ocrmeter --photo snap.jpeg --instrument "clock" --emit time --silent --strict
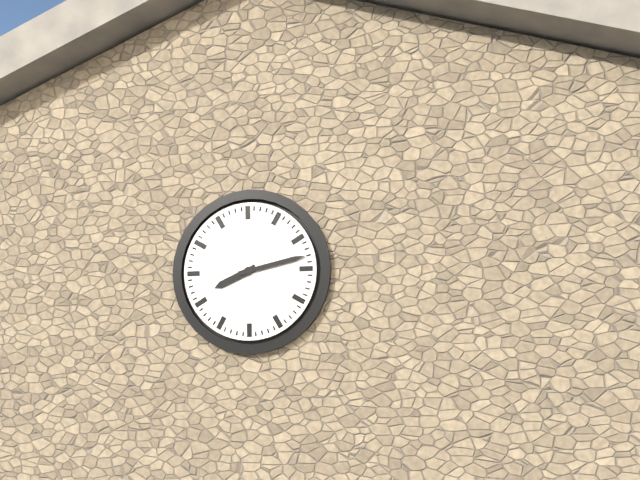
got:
8:13
